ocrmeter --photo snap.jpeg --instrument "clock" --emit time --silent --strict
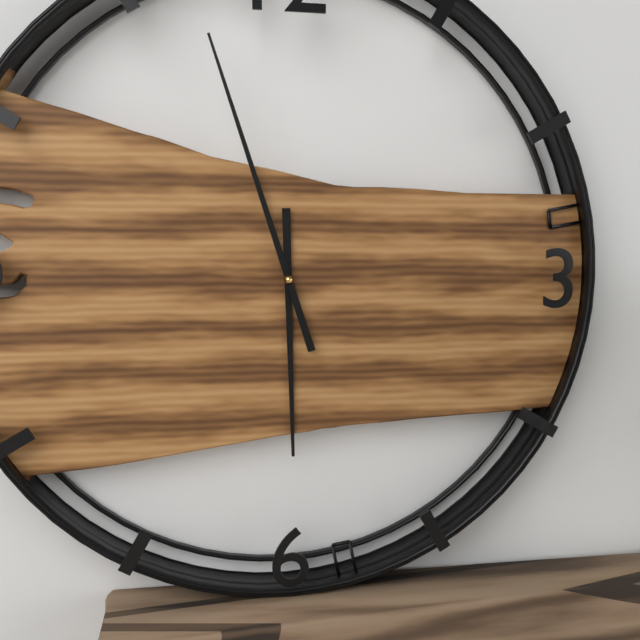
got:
5:57
